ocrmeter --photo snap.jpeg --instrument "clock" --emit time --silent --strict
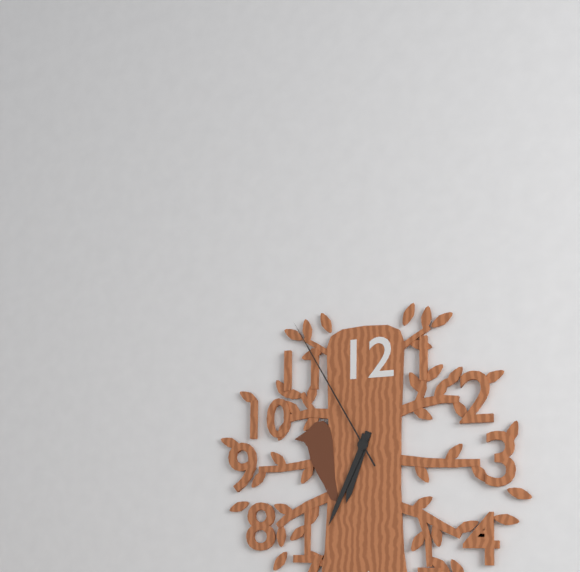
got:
6:34:55
